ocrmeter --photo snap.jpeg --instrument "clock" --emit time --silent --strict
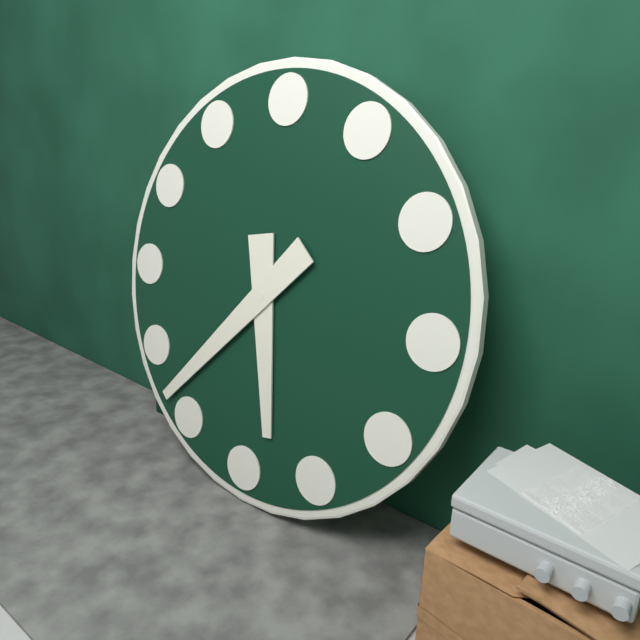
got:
5:37
